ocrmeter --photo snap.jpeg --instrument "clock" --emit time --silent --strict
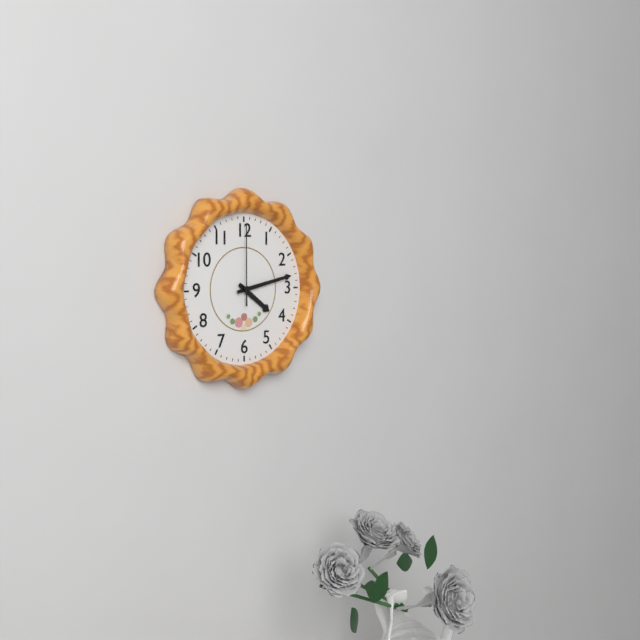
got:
4:13:00
